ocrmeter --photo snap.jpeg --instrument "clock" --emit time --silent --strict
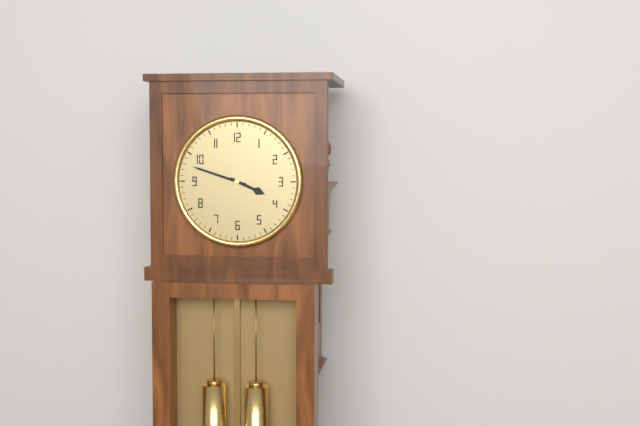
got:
3:48
